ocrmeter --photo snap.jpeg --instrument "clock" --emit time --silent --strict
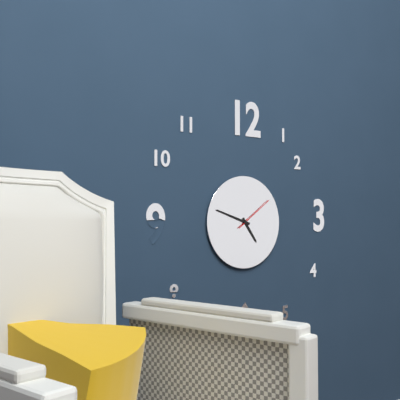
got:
4:48
